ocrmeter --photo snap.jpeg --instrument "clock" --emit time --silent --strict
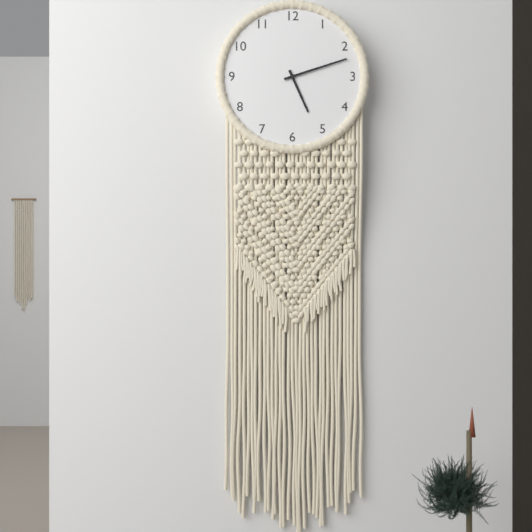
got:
5:12
